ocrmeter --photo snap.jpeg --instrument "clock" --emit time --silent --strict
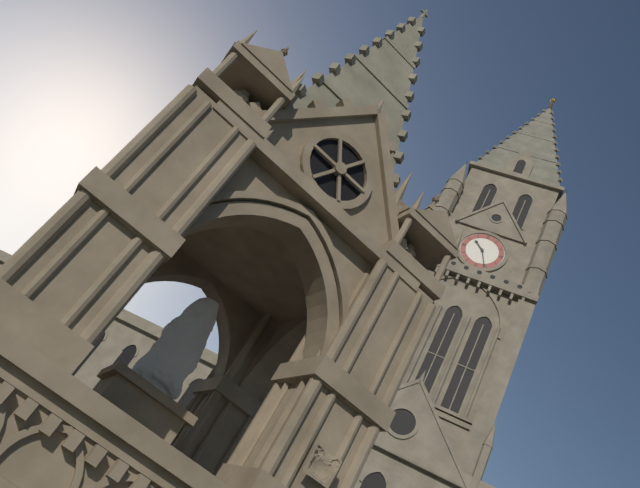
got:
10:26
